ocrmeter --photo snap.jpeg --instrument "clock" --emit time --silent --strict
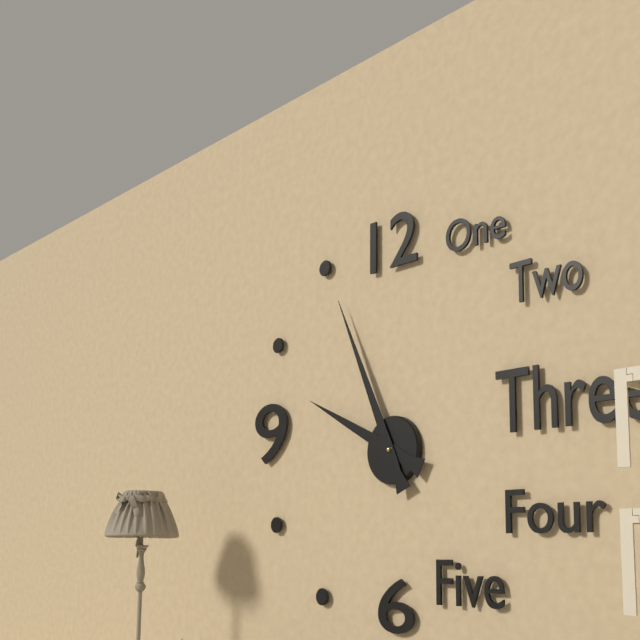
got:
9:56
